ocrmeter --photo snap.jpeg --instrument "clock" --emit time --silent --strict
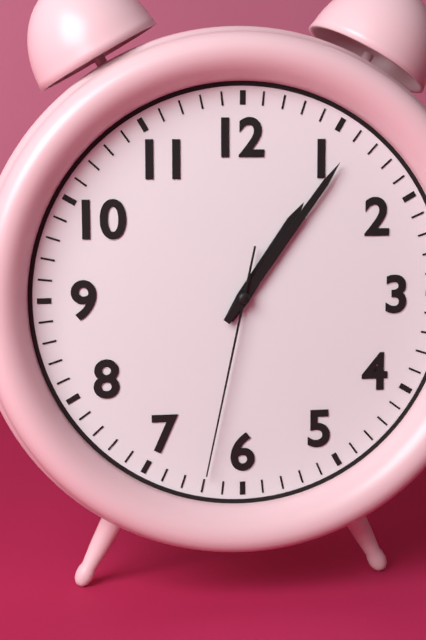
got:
1:06:32
